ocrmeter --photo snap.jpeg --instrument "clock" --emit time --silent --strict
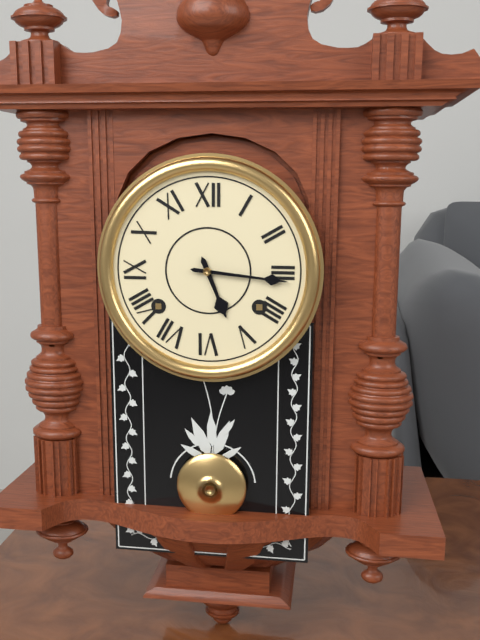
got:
5:16
